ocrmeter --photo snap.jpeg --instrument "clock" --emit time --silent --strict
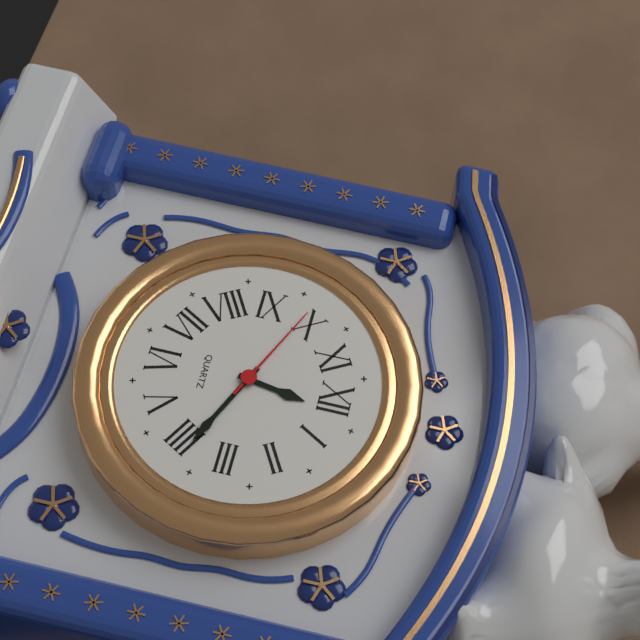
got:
12:19:49
